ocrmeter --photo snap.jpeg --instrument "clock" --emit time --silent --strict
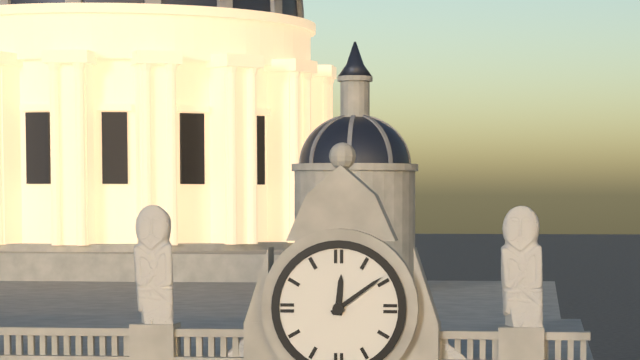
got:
12:09
